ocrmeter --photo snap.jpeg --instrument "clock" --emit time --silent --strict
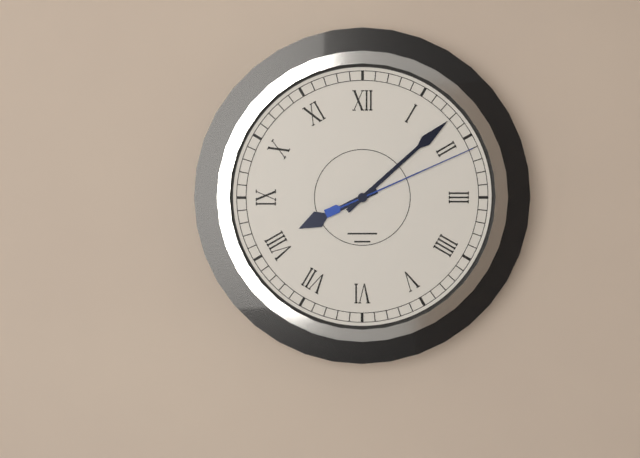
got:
8:08:11
